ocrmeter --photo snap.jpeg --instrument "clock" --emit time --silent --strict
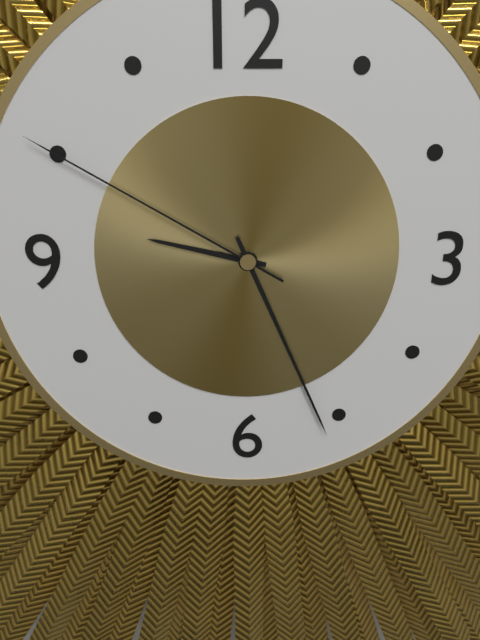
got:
9:26:50
